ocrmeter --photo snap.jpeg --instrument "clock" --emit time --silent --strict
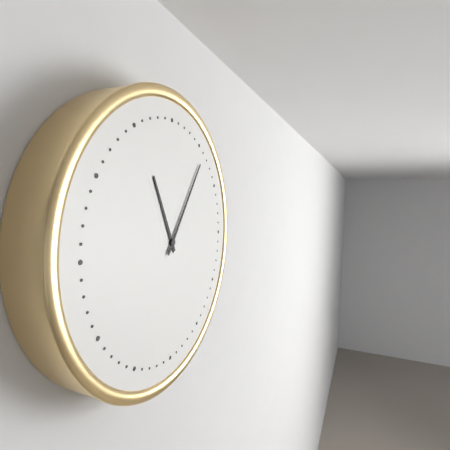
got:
11:06
